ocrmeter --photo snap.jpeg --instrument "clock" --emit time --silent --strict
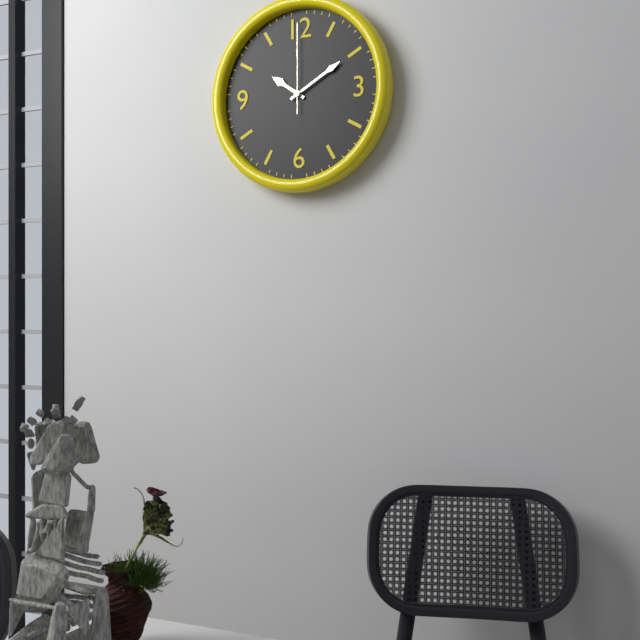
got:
10:10:00
